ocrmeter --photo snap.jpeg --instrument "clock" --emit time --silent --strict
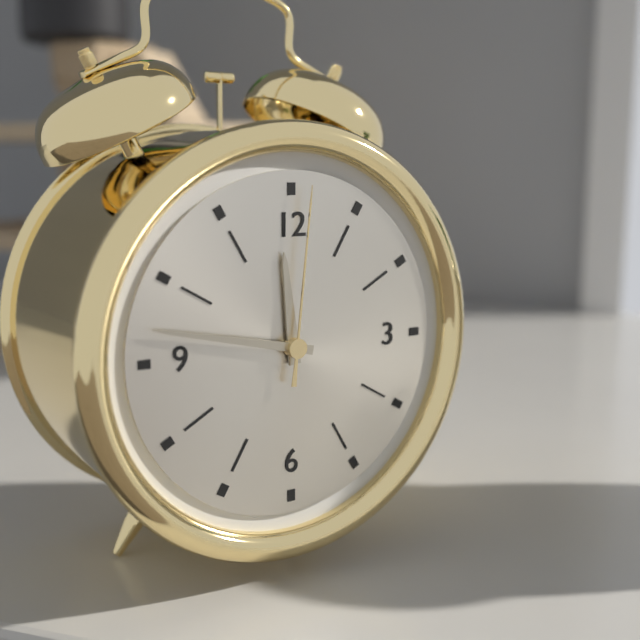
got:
11:47:01
